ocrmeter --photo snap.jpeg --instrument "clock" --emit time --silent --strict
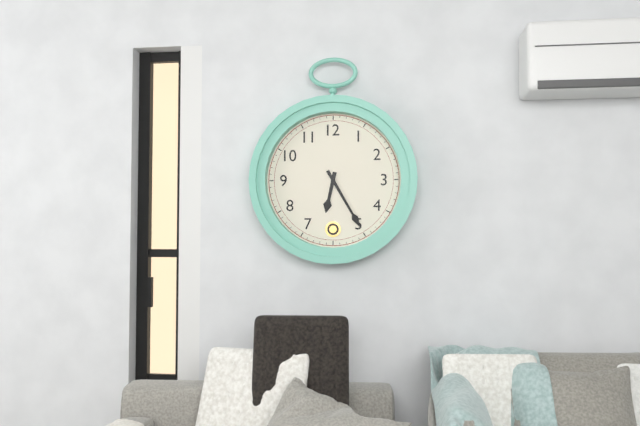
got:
6:25
